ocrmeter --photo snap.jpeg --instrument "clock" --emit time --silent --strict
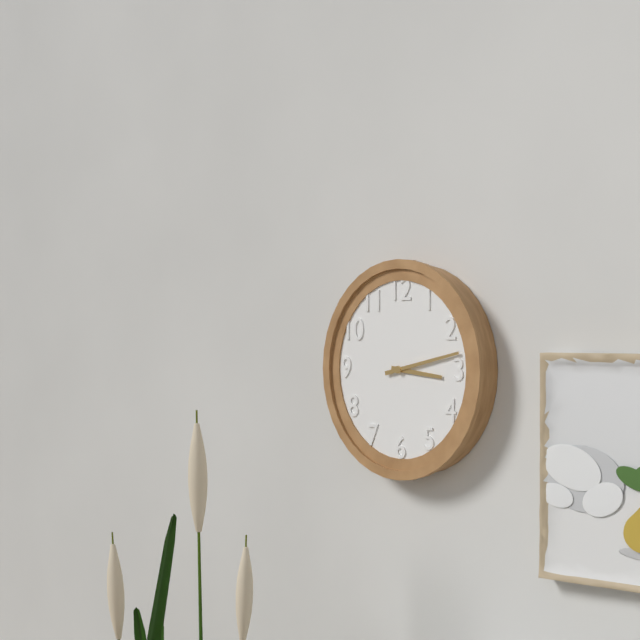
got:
3:13
